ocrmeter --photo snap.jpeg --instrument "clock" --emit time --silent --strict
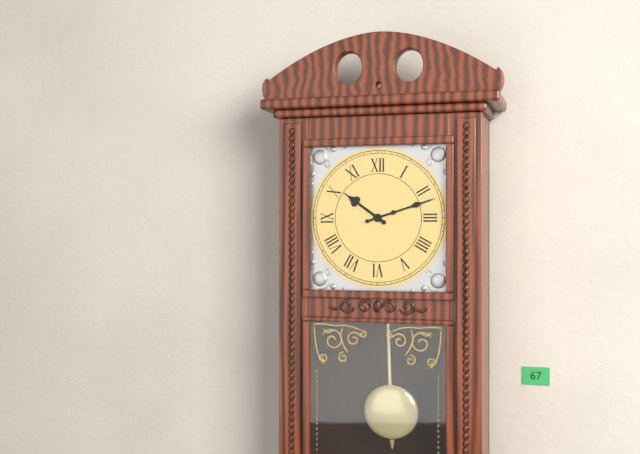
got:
10:12
